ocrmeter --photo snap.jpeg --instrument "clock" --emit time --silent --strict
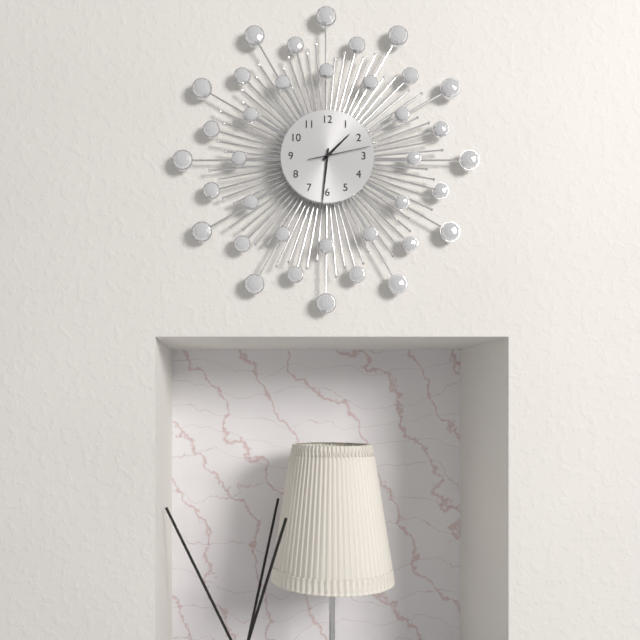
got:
1:31:13
